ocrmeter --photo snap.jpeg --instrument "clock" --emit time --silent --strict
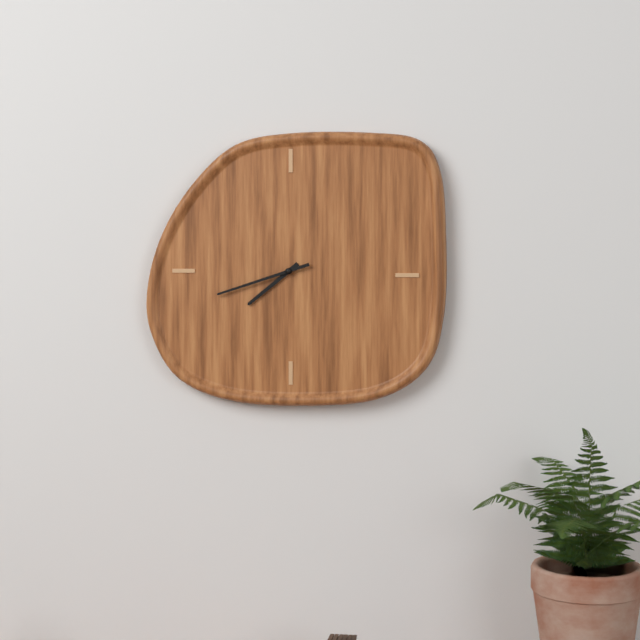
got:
7:42
